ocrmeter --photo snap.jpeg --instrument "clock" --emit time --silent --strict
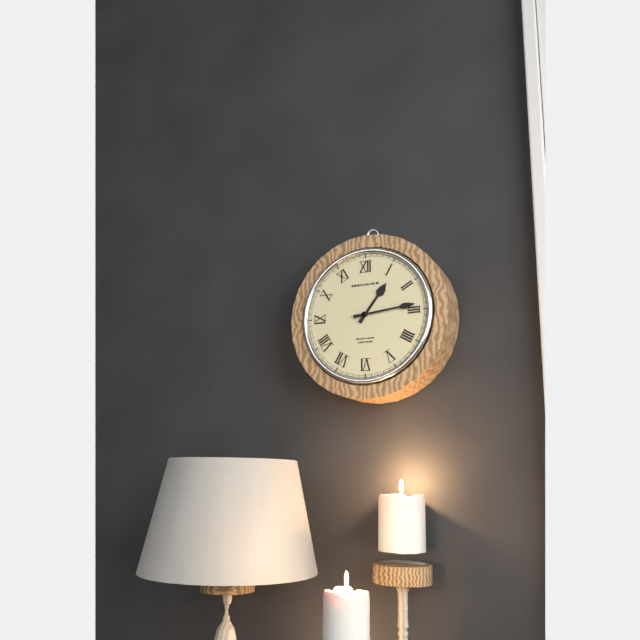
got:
1:14
